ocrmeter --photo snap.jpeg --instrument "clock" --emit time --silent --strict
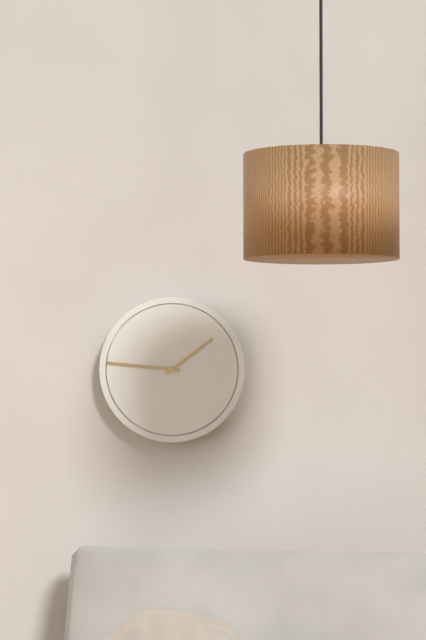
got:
1:46
